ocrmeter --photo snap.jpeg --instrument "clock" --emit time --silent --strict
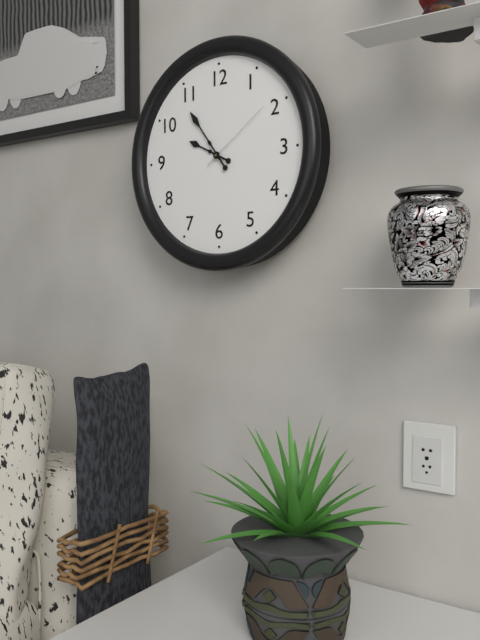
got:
9:54:09
